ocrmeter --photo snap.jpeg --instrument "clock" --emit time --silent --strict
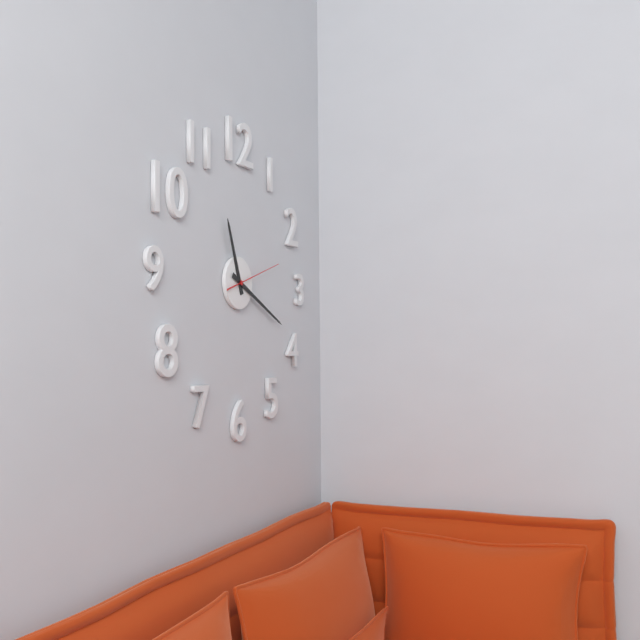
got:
11:19:12
